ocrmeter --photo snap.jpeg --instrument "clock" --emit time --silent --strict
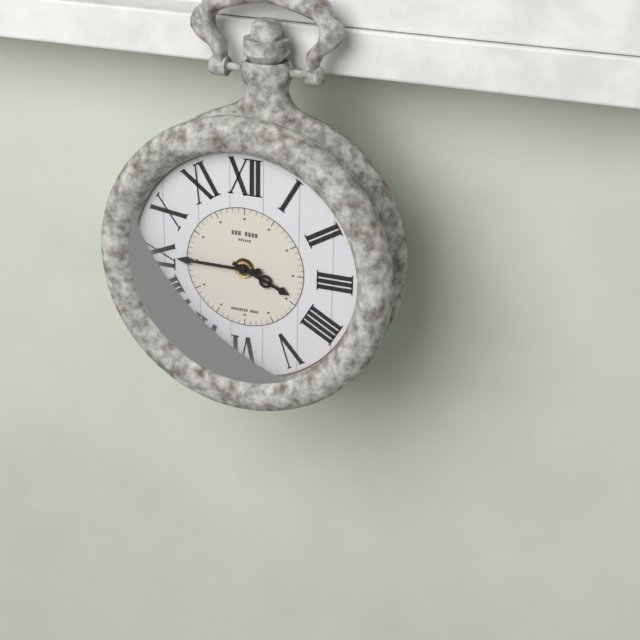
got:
3:45
